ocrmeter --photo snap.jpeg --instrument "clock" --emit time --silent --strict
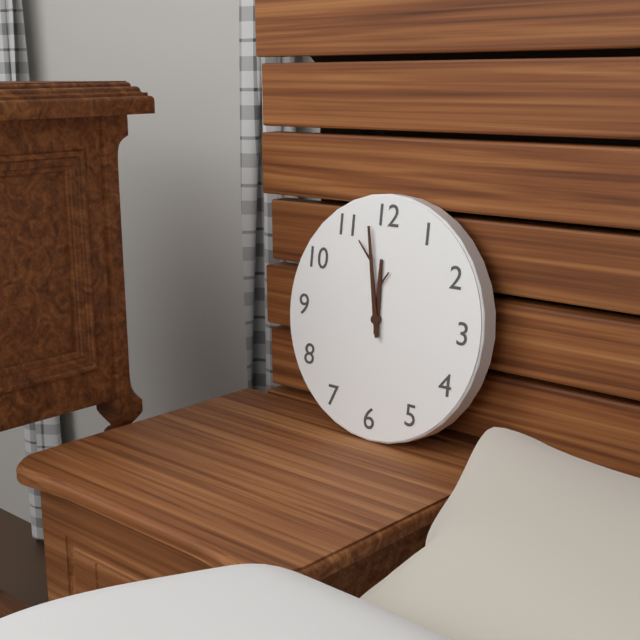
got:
11:58
